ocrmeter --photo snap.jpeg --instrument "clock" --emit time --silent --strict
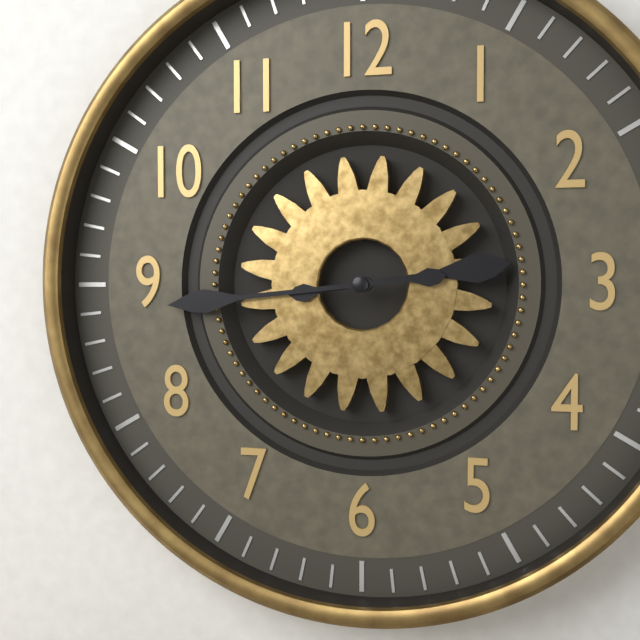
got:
2:44
